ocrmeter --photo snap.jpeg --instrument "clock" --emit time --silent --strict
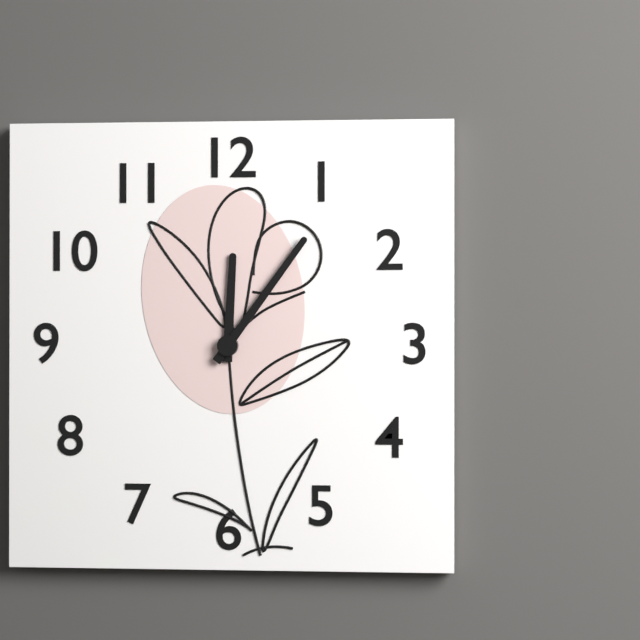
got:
12:06
